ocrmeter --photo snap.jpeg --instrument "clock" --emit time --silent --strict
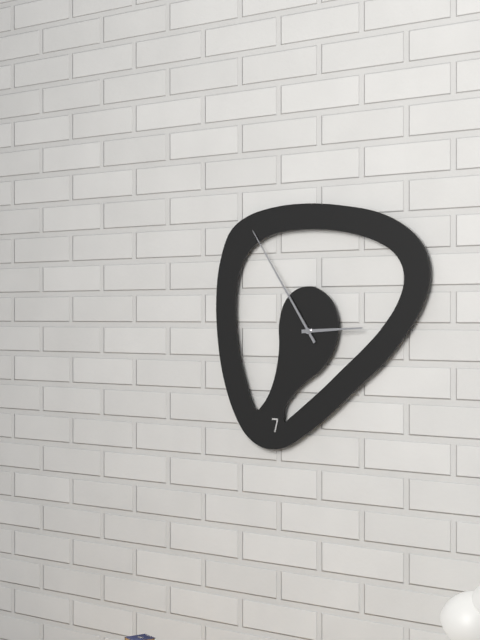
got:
2:54
